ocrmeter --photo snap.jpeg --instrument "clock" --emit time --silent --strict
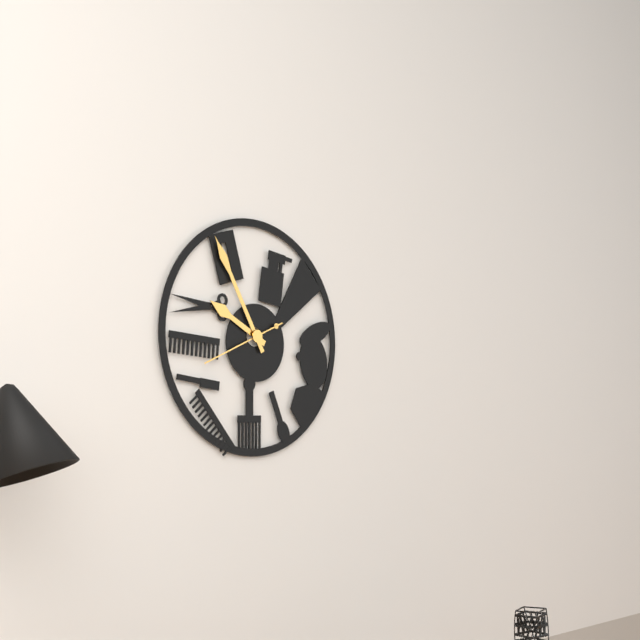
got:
9:55:41
